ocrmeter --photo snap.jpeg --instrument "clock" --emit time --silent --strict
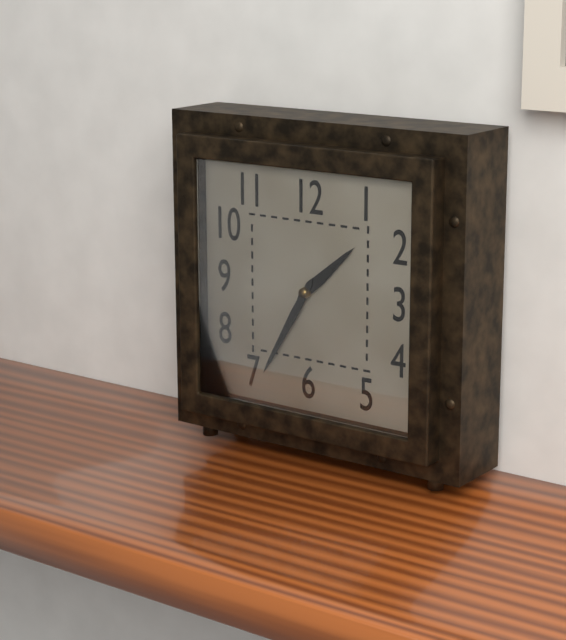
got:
1:35
